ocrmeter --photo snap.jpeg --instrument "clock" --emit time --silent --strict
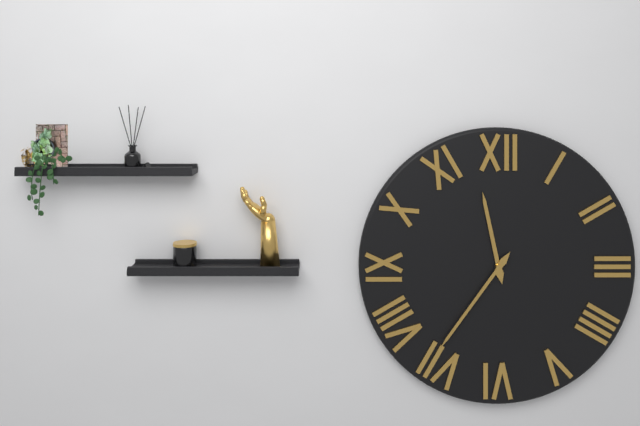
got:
11:36
